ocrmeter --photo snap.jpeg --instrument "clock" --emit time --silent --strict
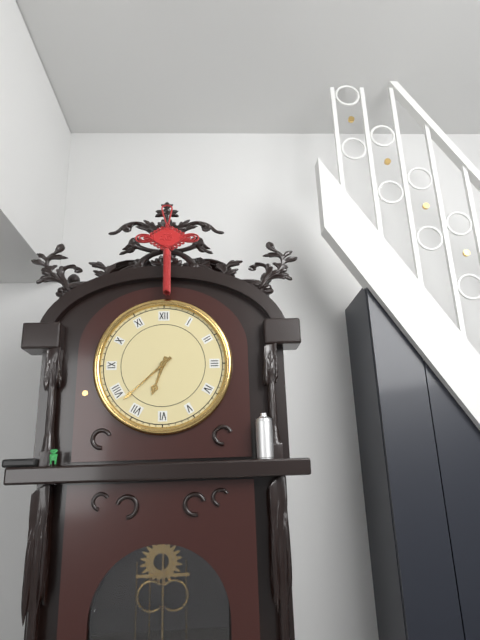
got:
6:38
